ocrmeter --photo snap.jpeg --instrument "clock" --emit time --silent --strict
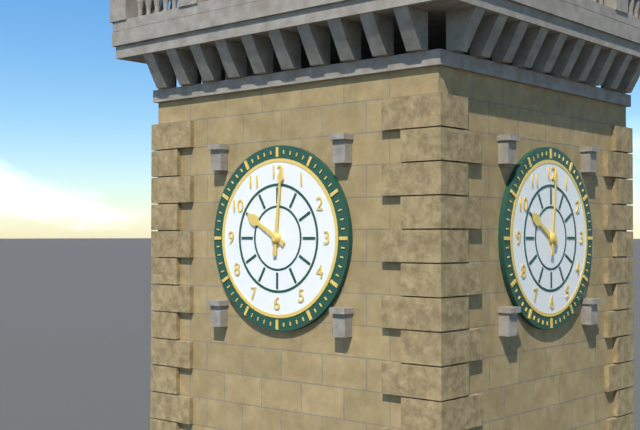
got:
10:01
